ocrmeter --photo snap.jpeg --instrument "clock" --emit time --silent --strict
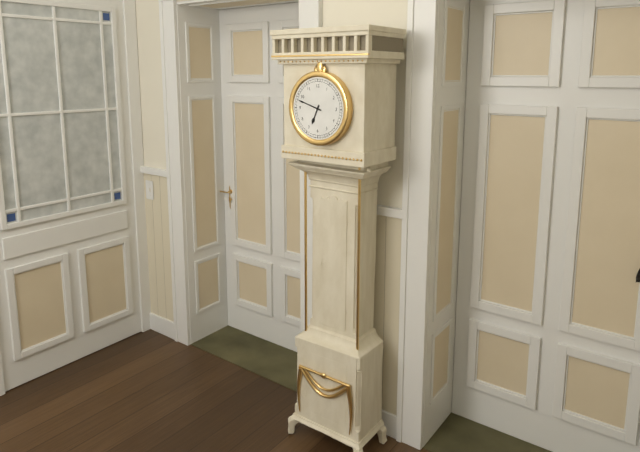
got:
6:48
